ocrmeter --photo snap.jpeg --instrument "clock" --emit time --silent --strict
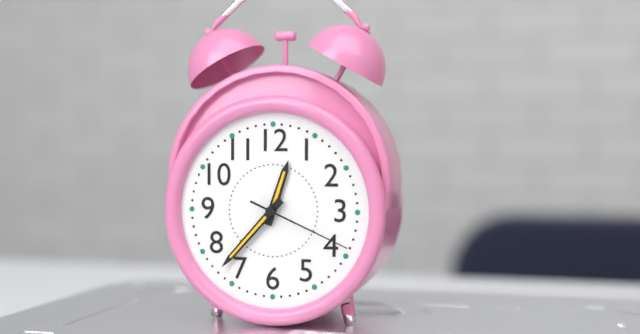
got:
12:37:19
